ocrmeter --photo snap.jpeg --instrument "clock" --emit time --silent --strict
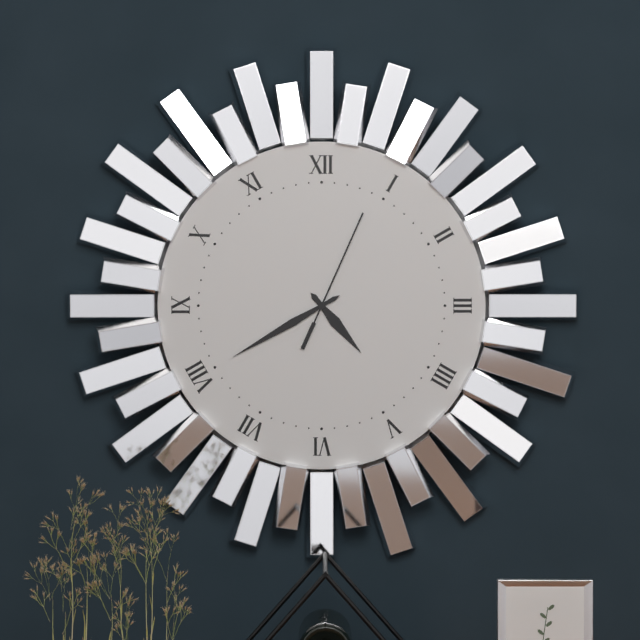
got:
4:40:04
